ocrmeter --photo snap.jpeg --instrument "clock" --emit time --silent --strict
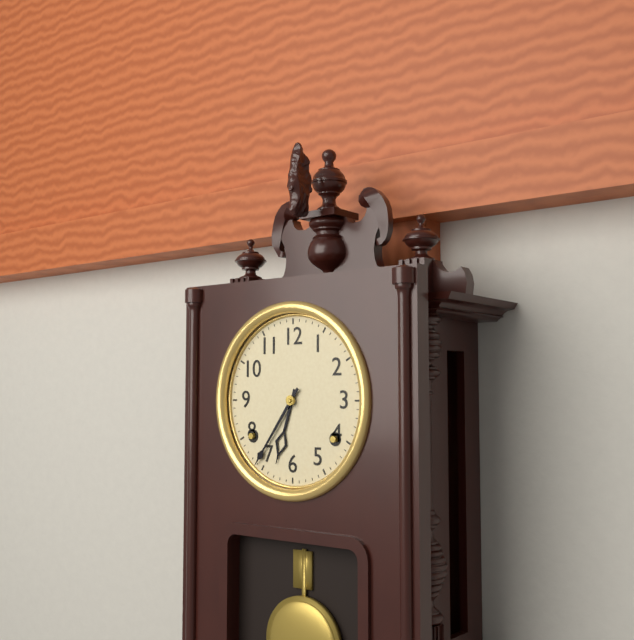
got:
6:36
